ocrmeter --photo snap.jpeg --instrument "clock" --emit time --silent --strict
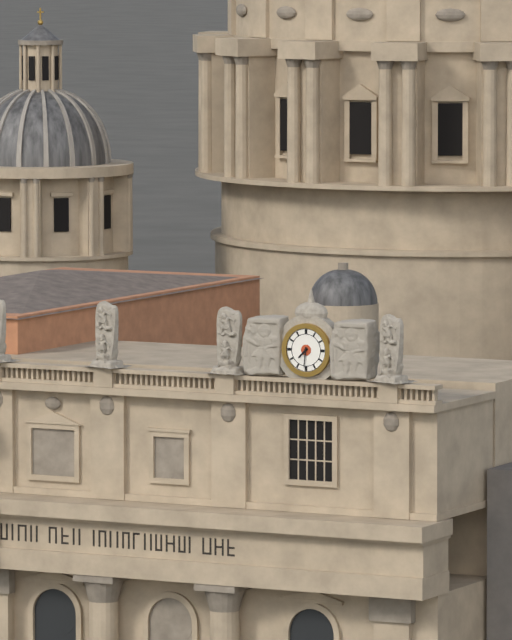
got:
7:31
